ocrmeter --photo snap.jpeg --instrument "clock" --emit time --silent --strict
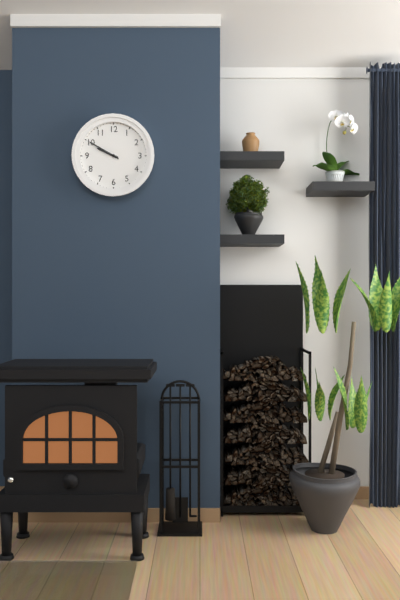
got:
9:50
